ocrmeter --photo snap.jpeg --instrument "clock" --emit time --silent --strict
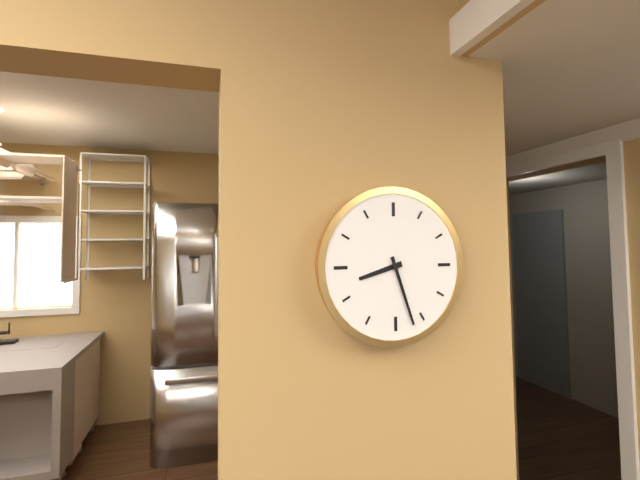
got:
8:27
